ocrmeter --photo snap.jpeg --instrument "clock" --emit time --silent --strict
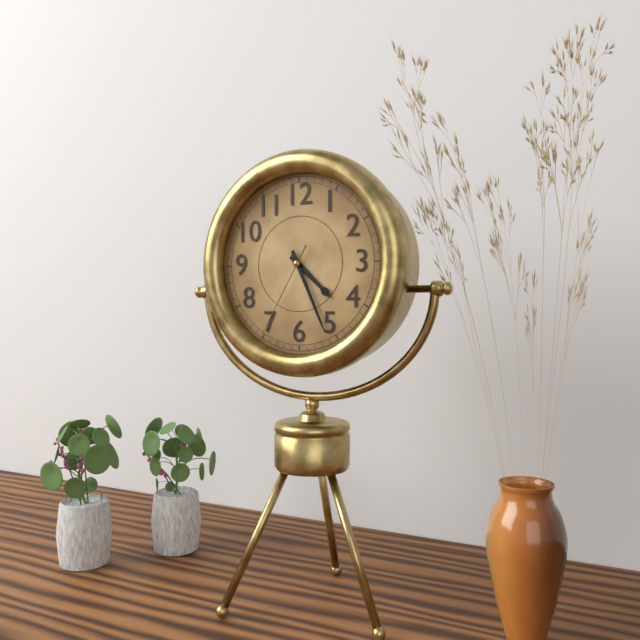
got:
4:26:35
